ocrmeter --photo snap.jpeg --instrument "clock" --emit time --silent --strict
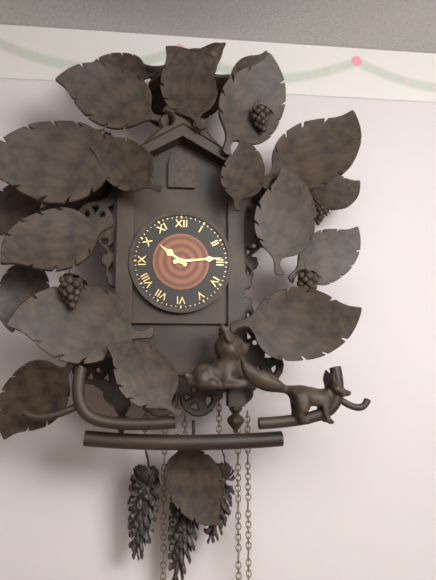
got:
10:14
